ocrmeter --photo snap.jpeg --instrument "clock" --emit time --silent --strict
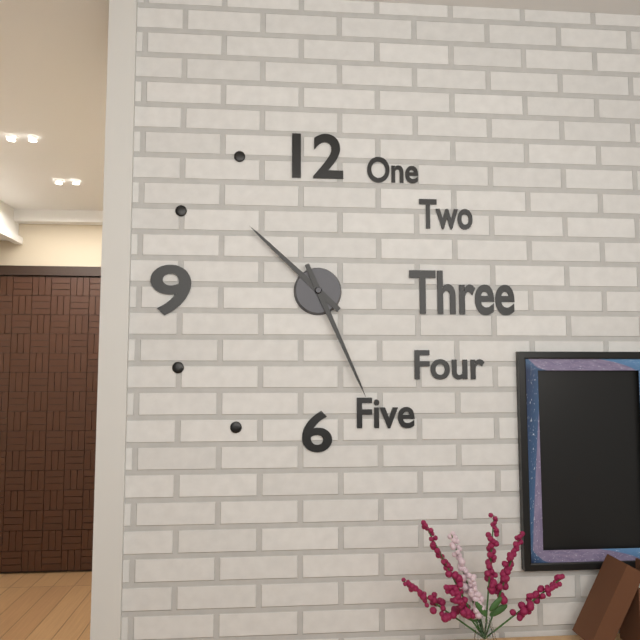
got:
10:26
